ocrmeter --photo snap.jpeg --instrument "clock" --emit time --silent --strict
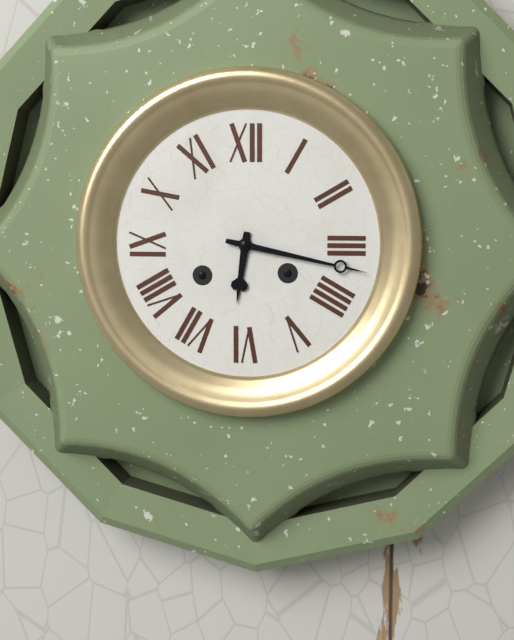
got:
6:17
